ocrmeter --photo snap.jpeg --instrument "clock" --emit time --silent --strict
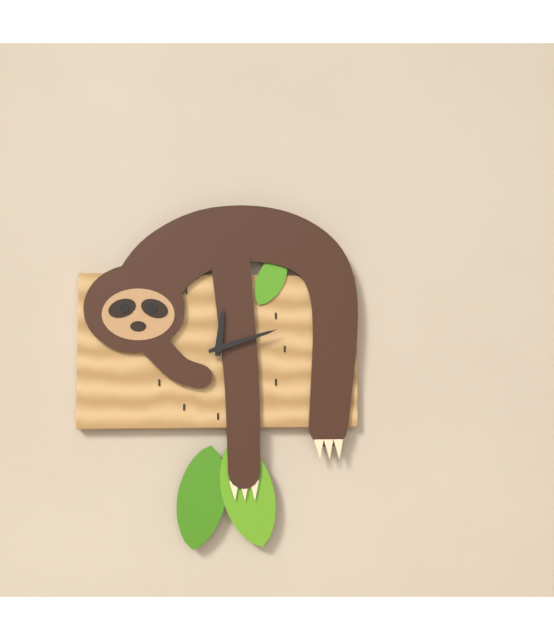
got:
12:12
